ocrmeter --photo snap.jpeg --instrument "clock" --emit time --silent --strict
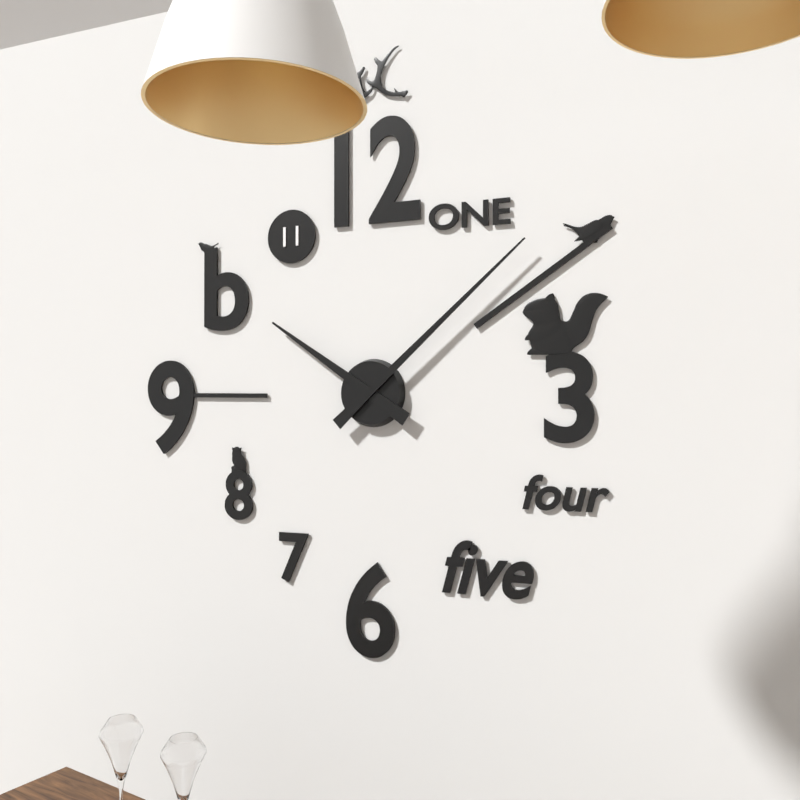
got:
10:08
